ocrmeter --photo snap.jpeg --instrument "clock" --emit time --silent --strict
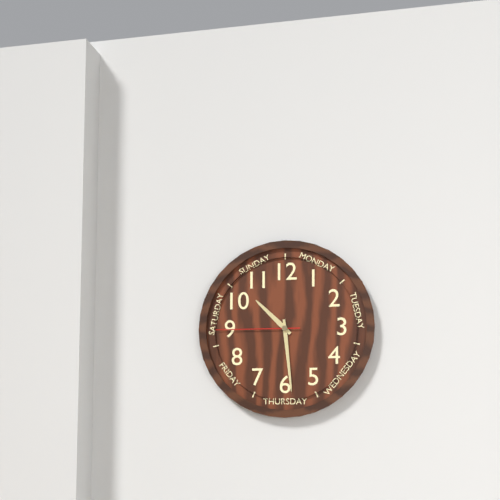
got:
10:29:45
